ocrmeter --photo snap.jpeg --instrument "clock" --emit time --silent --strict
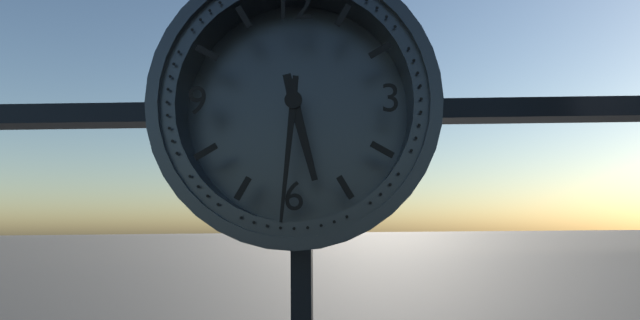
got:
5:31
